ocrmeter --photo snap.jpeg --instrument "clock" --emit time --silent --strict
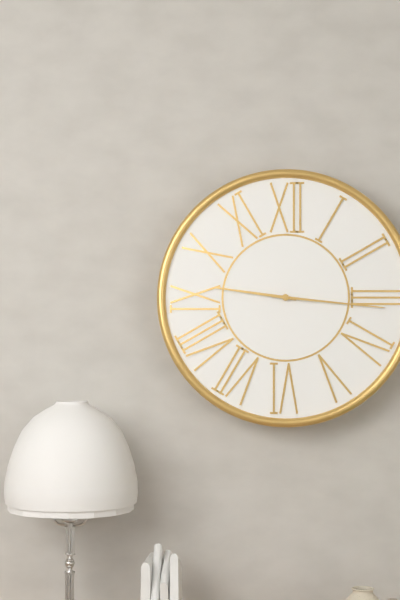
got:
9:16
